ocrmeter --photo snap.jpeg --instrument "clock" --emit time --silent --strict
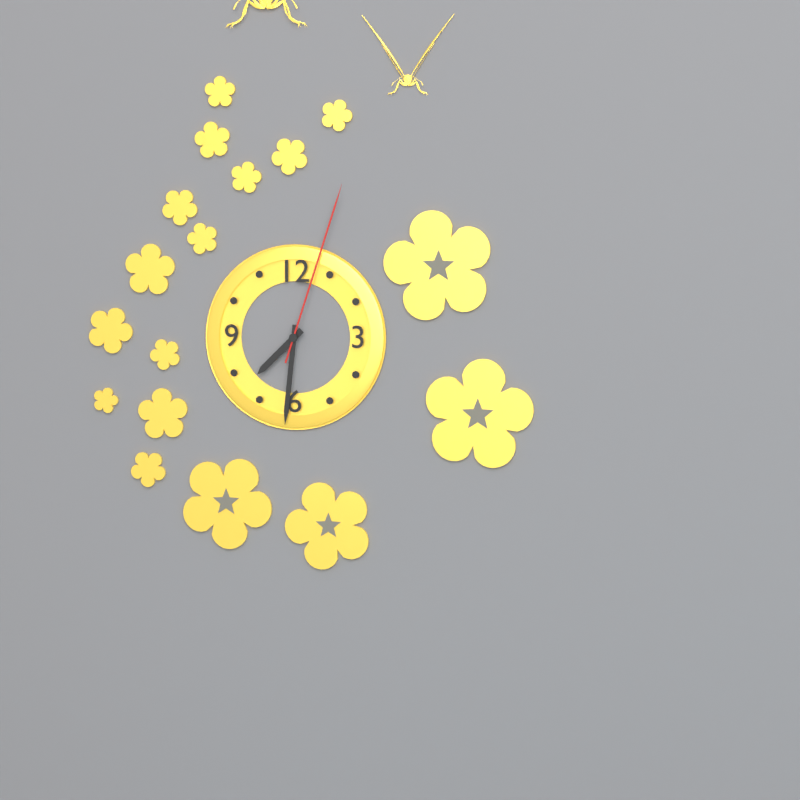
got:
7:31:03
